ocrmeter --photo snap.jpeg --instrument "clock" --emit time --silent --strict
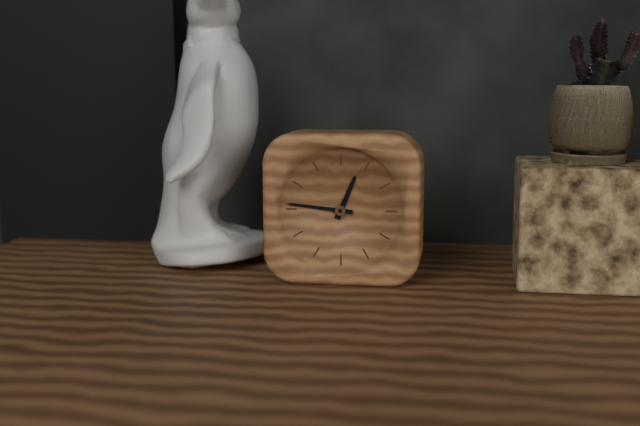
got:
12:46
